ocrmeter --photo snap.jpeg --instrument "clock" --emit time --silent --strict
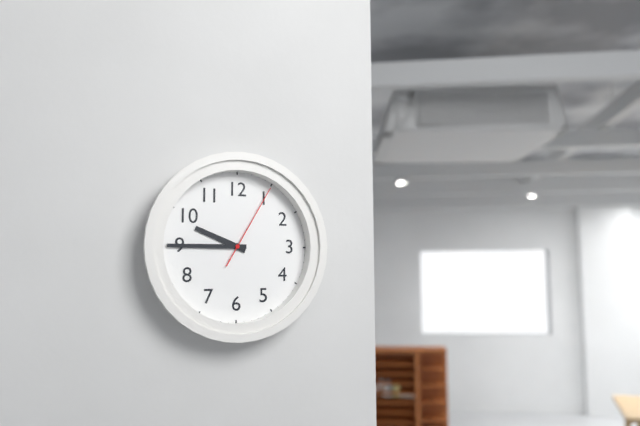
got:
9:45:05
